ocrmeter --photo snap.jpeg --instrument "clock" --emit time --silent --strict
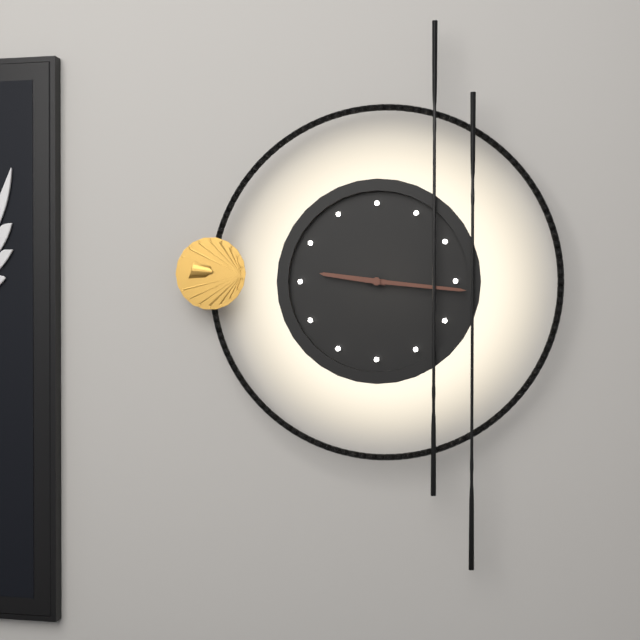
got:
9:16
